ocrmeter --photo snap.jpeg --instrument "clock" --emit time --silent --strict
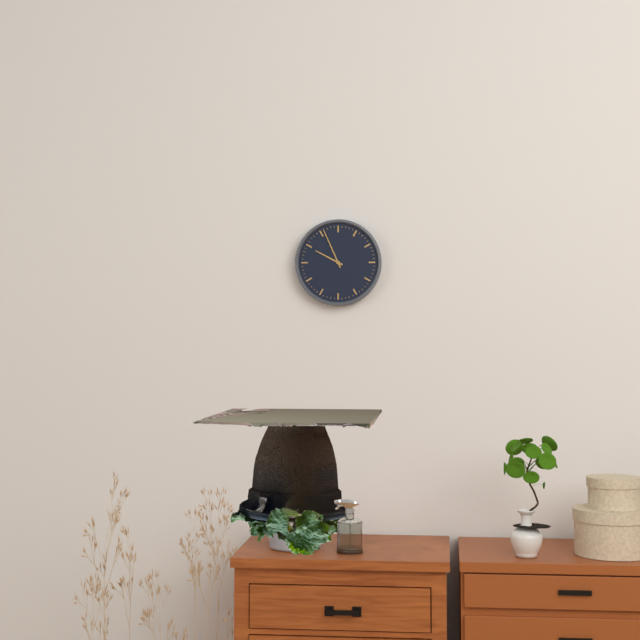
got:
9:56
